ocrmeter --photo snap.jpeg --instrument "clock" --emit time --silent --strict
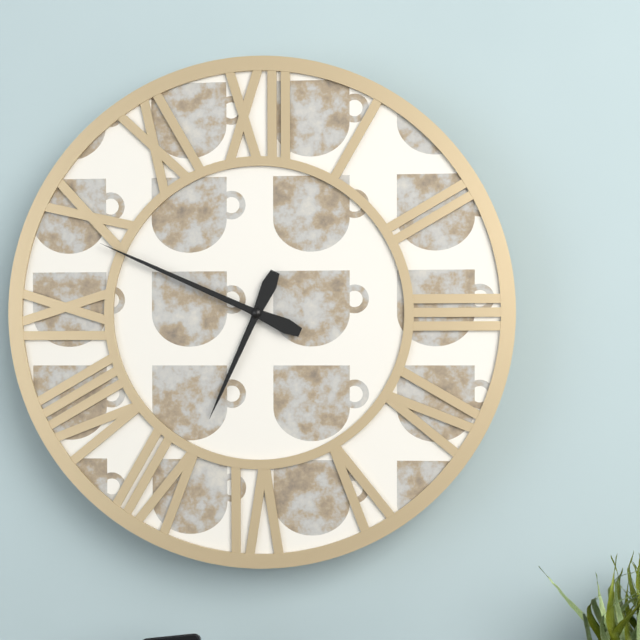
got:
6:49
